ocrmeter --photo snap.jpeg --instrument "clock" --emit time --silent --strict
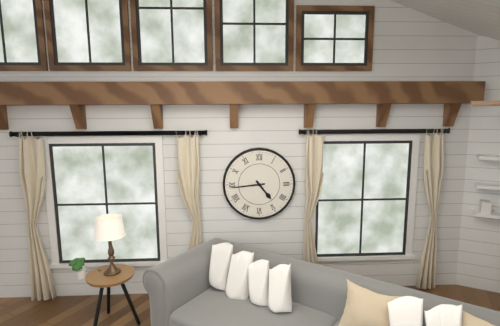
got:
4:44
